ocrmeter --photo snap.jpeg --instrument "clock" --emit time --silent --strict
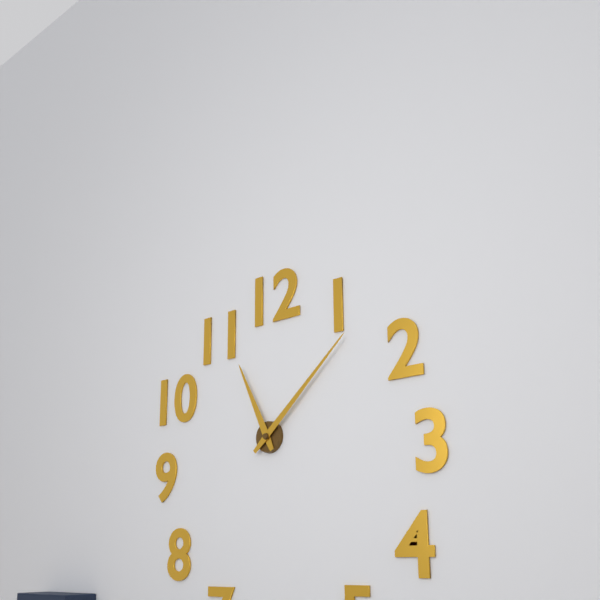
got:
11:08
